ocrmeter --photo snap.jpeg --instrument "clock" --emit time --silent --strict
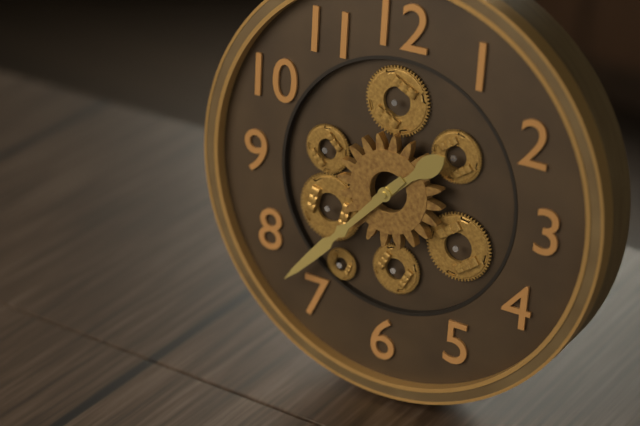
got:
1:37
